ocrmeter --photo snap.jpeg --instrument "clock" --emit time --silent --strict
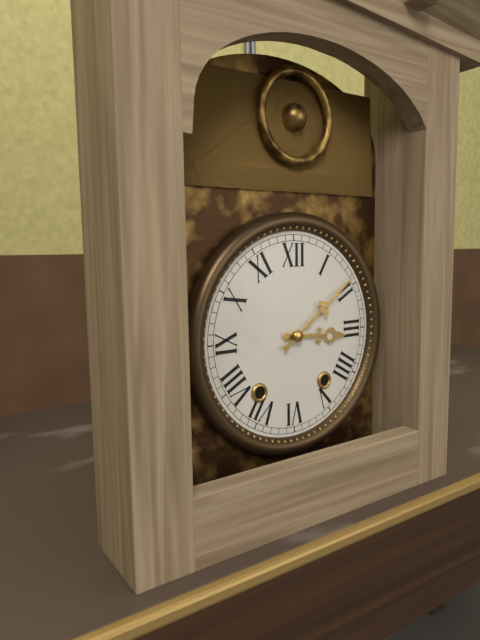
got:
3:09
